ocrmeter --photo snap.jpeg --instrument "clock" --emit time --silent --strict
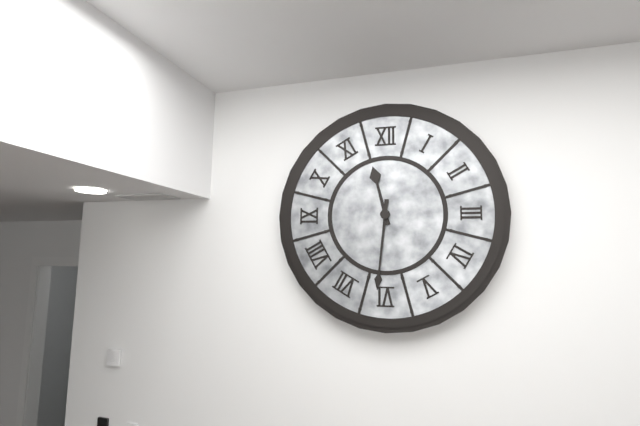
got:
11:31
